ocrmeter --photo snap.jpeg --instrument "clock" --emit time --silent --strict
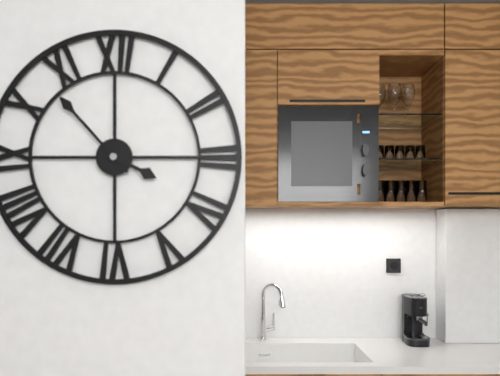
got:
3:53
